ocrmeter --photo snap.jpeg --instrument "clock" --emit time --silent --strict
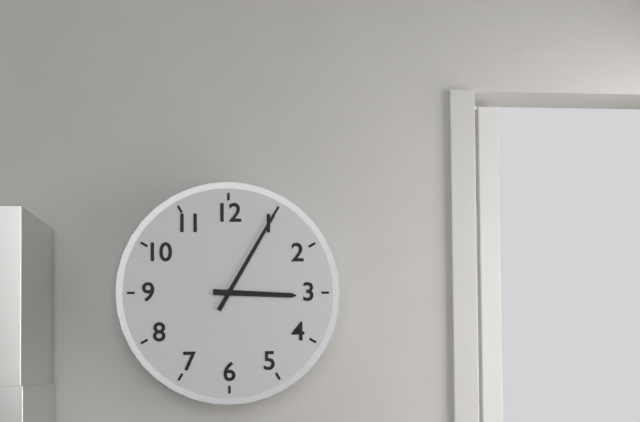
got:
3:05
